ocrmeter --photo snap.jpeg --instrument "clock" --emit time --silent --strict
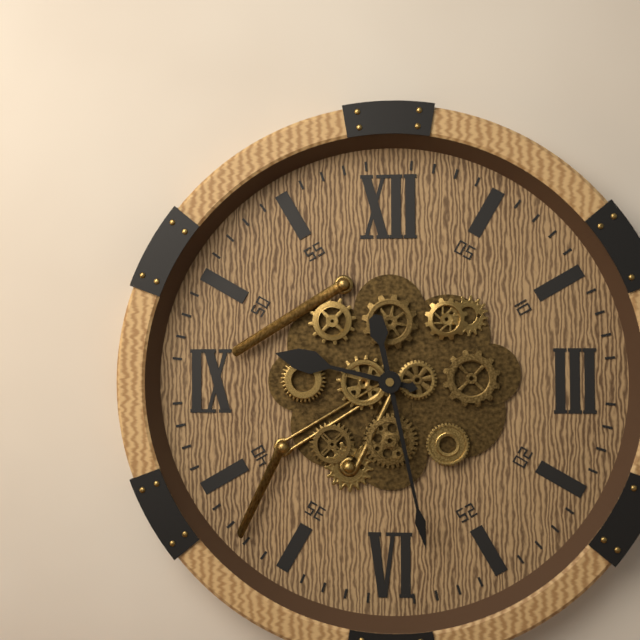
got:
9:28
